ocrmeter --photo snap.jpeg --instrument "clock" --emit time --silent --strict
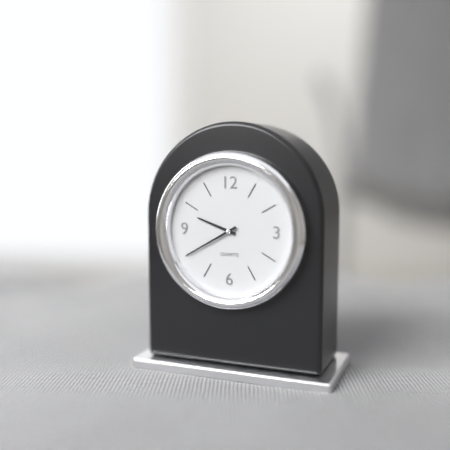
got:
9:40
